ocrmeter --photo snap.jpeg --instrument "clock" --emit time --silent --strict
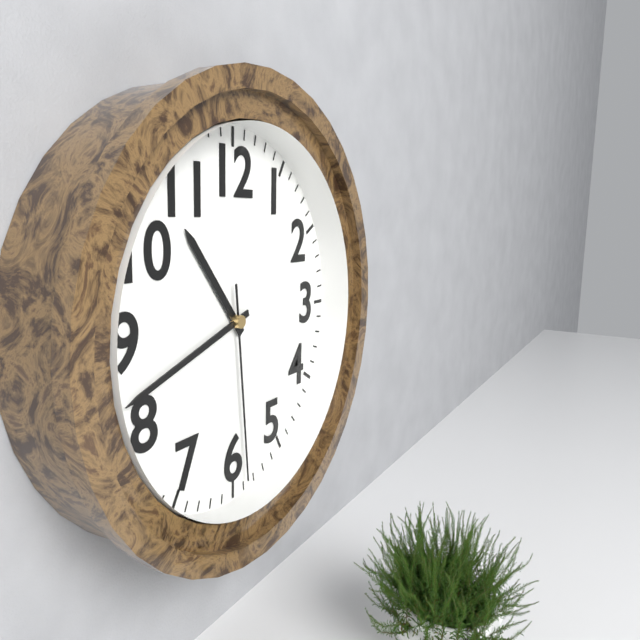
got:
10:42:29
